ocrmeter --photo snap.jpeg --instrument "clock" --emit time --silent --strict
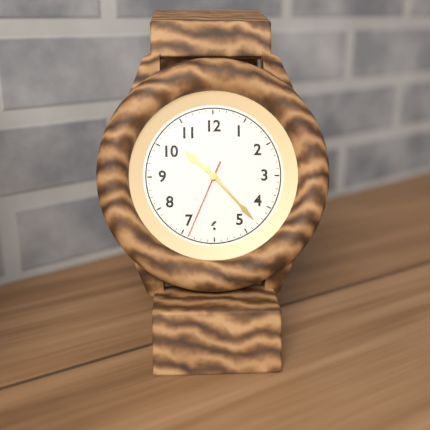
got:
10:23:34
